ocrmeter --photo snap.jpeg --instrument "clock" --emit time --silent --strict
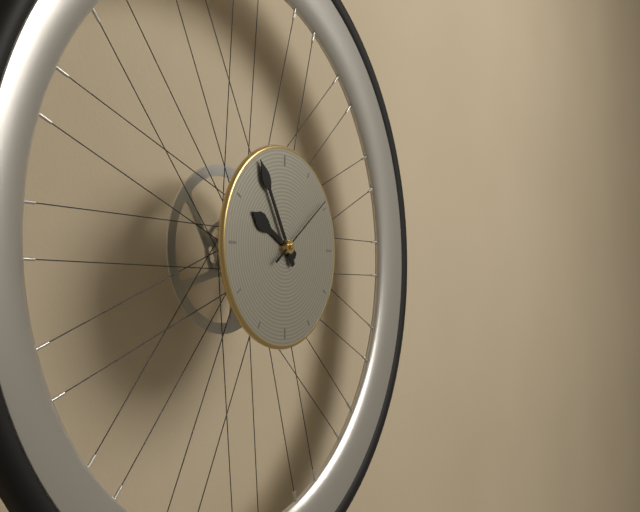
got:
9:55:09
